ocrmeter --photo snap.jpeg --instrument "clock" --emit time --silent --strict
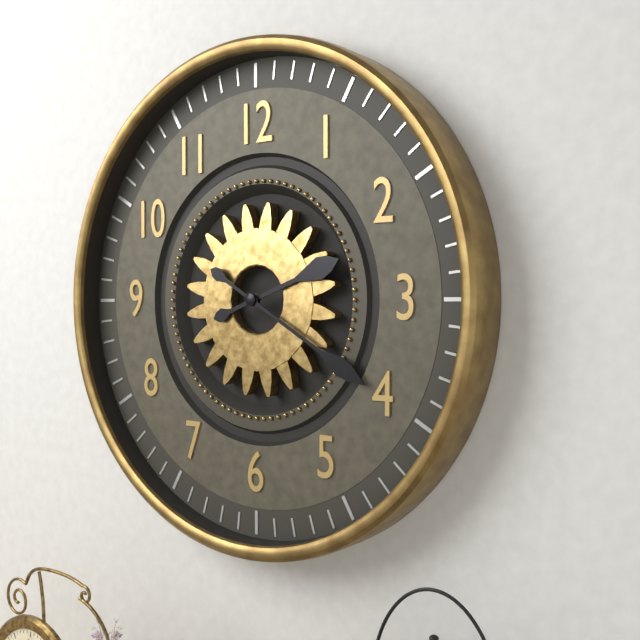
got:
2:20
